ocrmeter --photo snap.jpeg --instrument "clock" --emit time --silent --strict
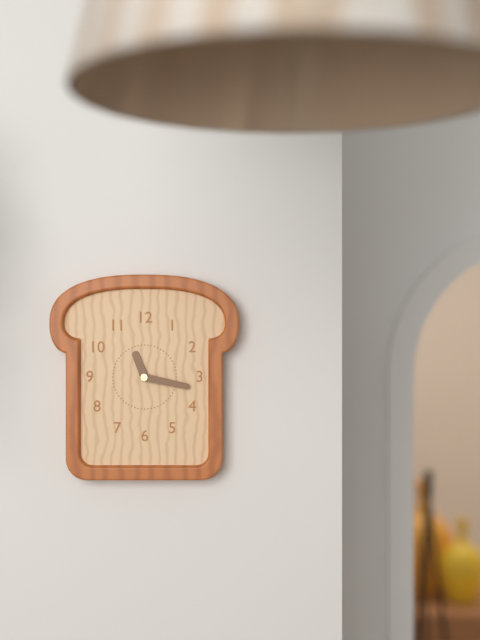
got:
11:17
